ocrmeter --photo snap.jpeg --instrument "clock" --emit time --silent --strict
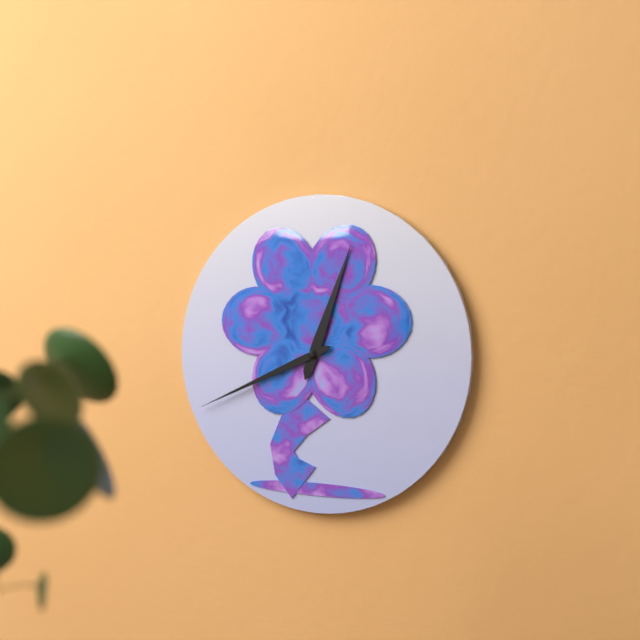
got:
12:41
